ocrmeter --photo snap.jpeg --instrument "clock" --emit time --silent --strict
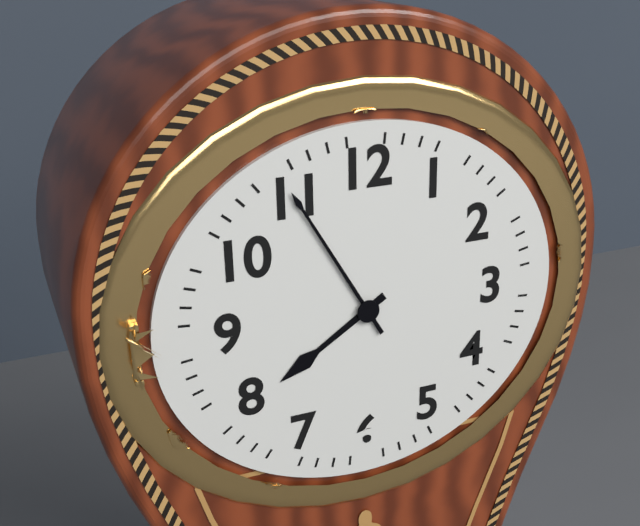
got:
7:55
